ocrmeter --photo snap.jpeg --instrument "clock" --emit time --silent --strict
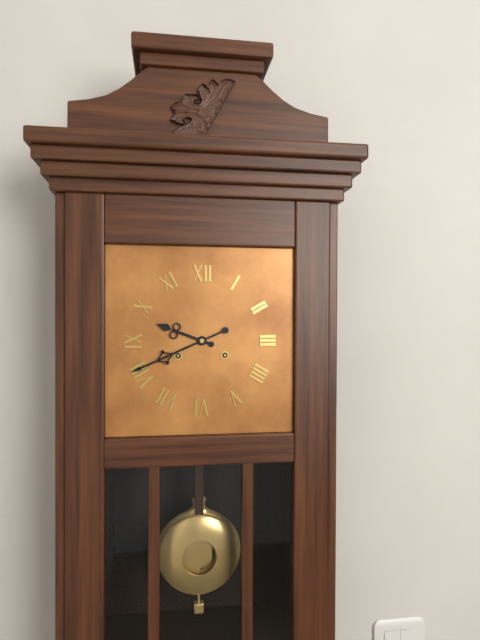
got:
9:41
